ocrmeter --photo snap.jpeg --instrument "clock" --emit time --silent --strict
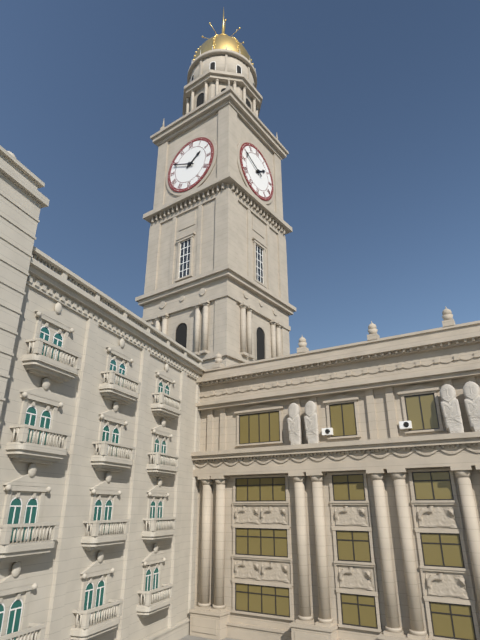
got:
1:49
